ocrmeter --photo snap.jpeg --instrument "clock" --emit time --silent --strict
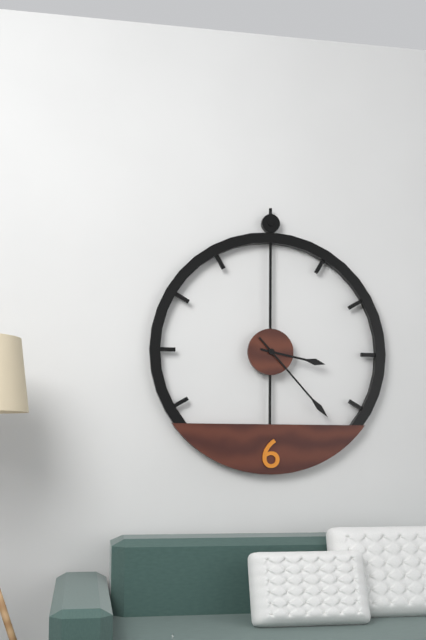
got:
3:23
